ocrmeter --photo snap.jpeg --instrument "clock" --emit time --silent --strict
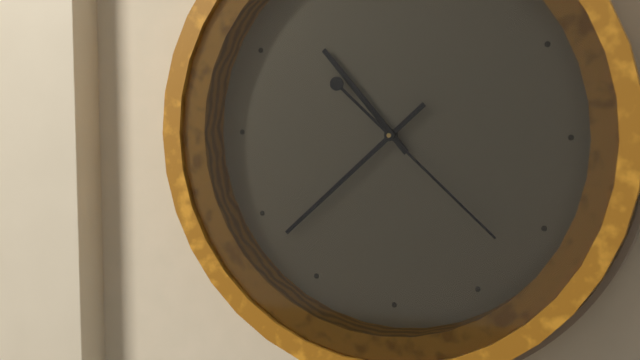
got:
10:38:22
